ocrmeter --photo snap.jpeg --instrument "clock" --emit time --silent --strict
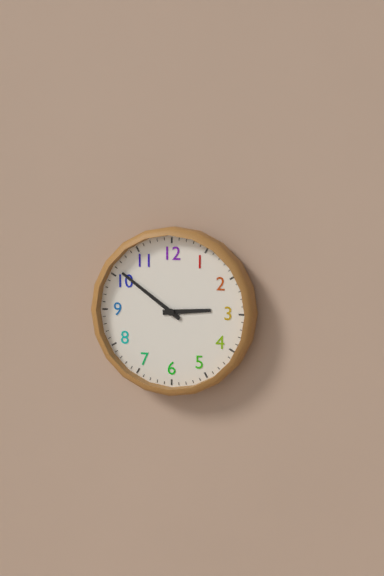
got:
2:51
